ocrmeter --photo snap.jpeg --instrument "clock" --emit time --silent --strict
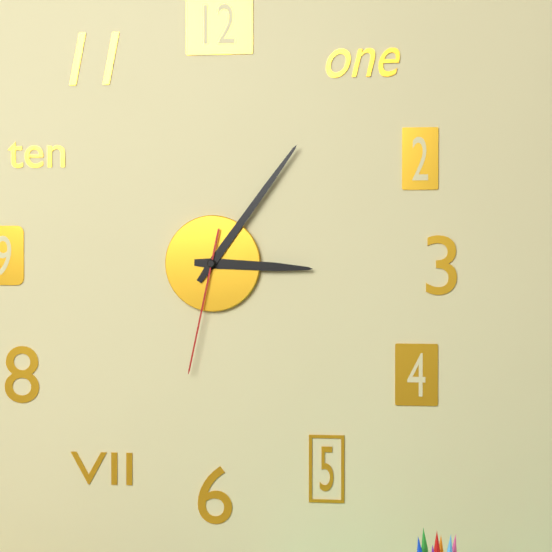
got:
3:06:32
